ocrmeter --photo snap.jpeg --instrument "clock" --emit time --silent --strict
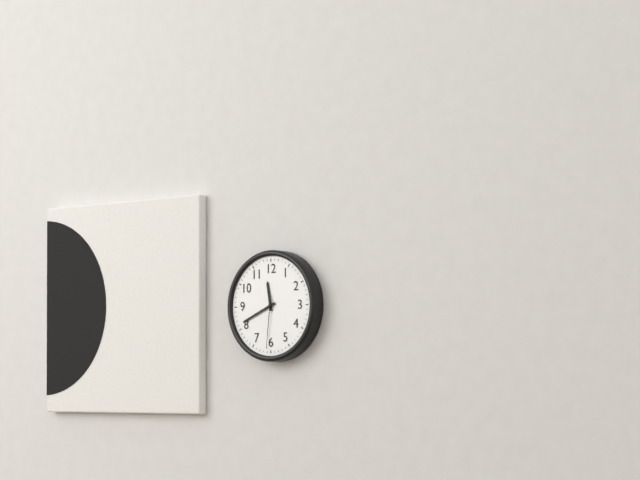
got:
11:41:31
